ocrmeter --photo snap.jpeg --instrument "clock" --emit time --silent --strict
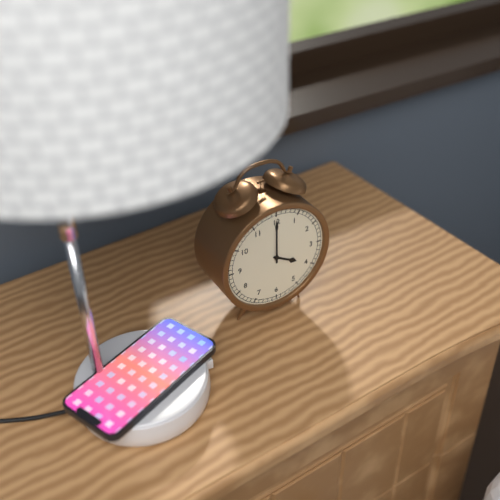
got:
4:00
